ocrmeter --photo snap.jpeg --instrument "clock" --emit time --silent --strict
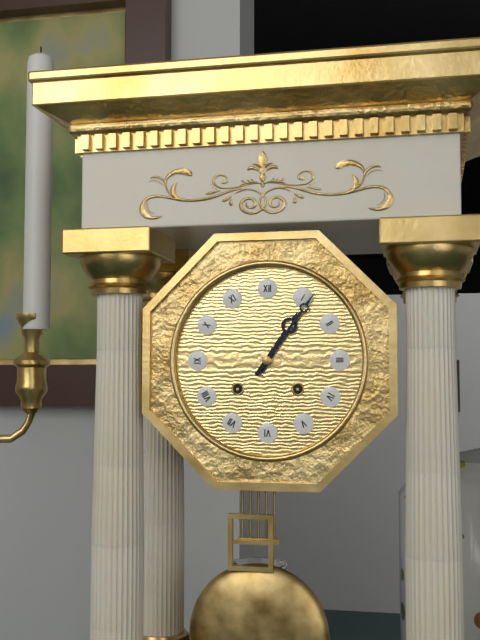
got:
1:06
